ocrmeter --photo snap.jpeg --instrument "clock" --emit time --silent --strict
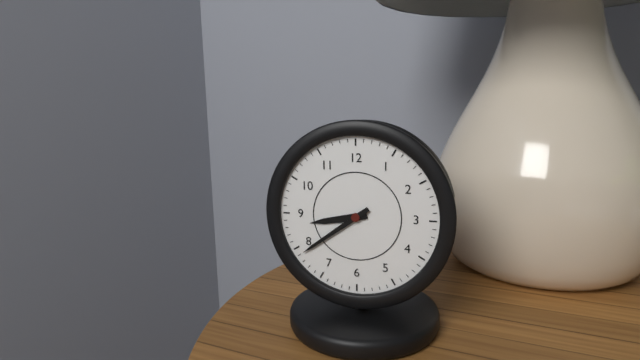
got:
8:39
